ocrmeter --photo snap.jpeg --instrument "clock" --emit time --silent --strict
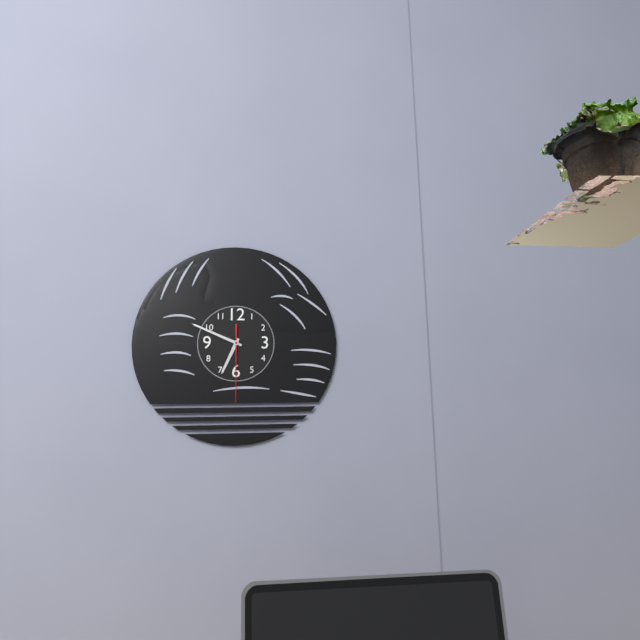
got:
6:49:30
